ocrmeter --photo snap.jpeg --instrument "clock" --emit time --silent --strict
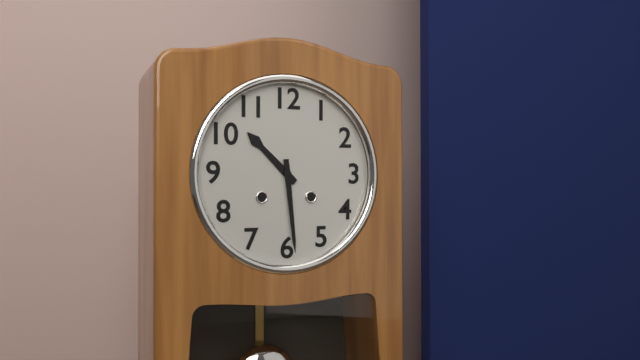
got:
10:29
